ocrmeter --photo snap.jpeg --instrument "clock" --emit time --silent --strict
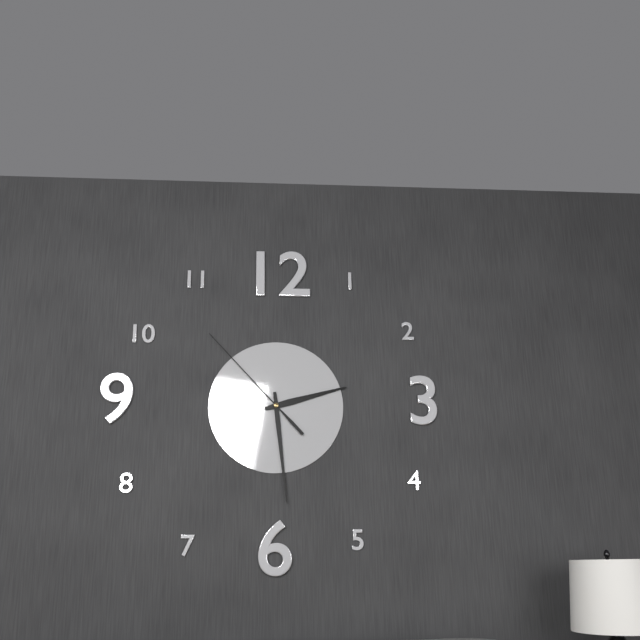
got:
2:29:53
